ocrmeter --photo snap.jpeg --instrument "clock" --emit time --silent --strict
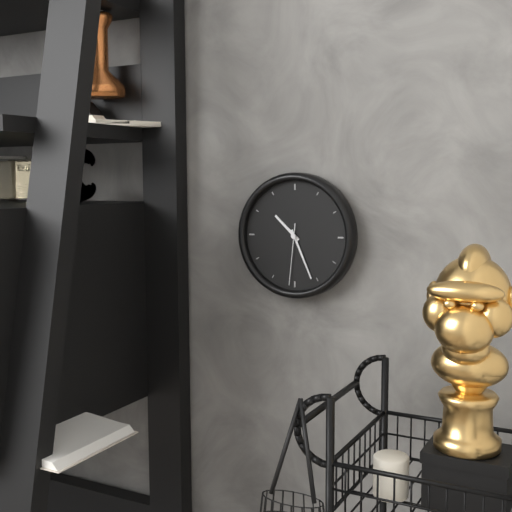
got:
10:26:31
